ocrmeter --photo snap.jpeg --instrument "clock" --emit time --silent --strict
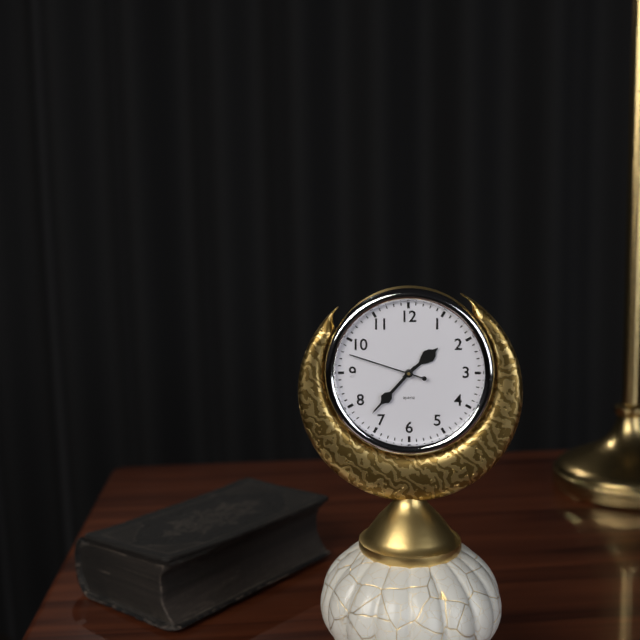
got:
1:37:48
